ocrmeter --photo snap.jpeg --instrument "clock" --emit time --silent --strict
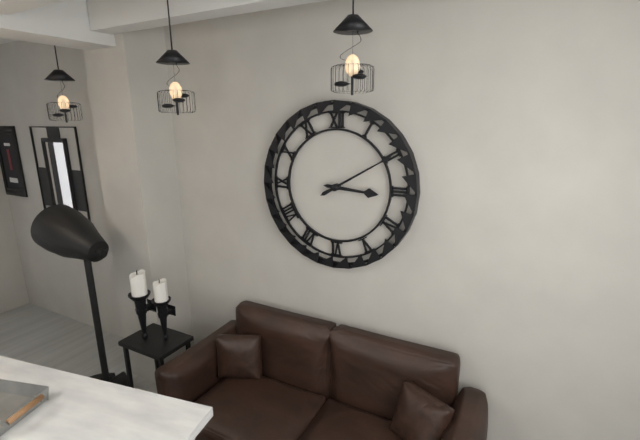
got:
3:10
